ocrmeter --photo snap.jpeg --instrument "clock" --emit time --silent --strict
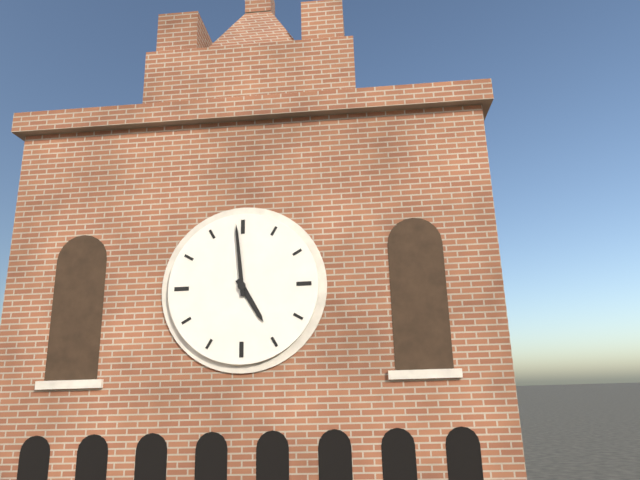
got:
4:59
